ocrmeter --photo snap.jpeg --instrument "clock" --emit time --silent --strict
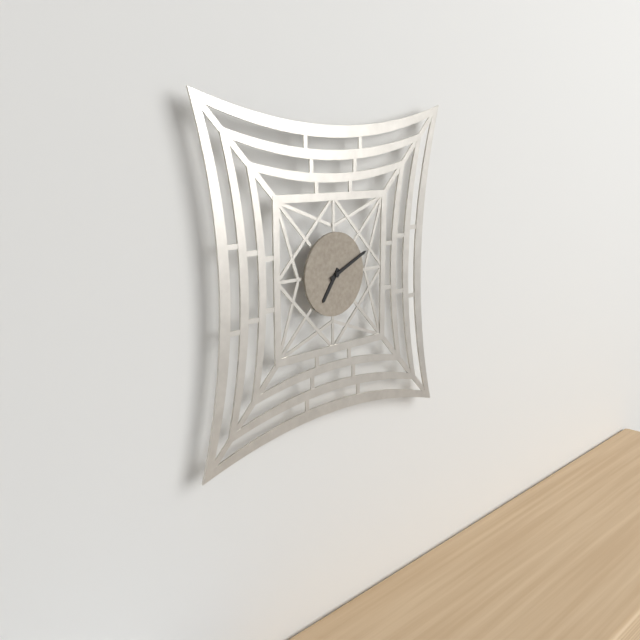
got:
7:11
